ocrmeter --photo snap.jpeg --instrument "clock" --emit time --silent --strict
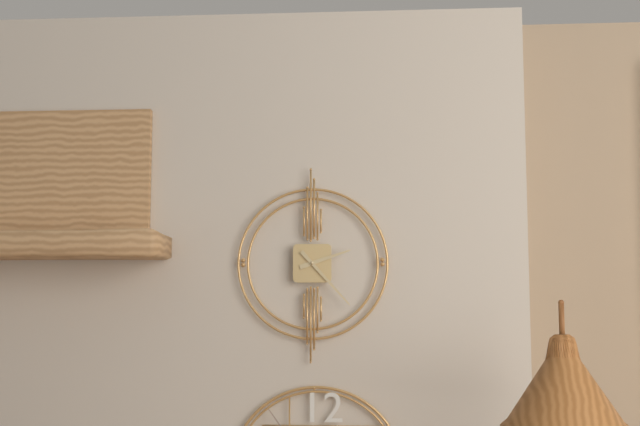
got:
2:23
